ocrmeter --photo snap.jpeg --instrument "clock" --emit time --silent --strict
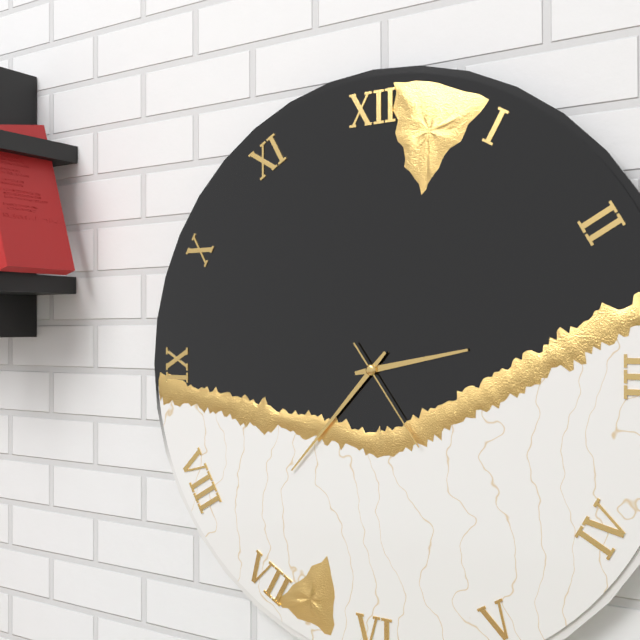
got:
2:37:24
